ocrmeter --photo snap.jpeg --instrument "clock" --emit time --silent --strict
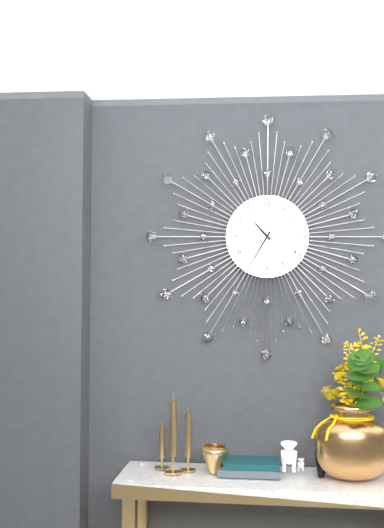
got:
10:35
